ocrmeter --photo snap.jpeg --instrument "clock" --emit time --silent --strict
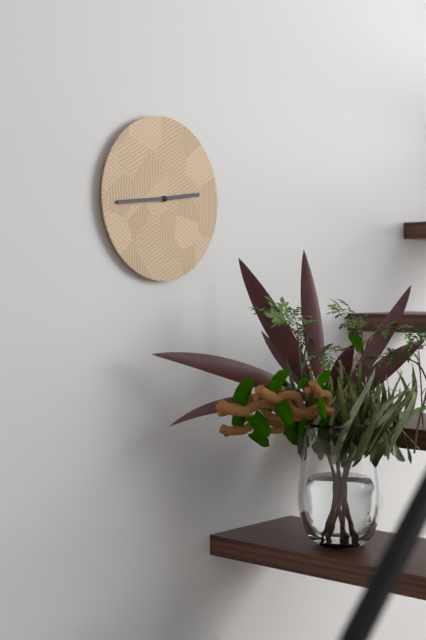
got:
2:44
